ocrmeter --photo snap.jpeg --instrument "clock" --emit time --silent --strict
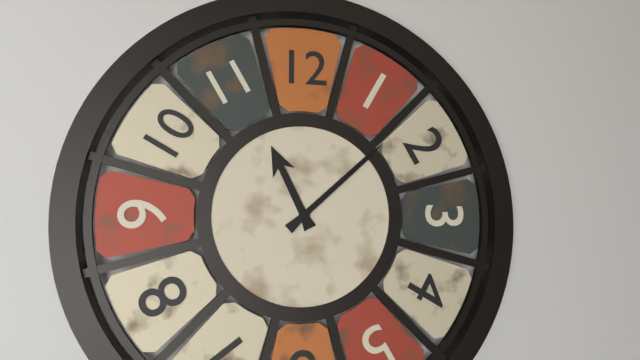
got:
11:08
